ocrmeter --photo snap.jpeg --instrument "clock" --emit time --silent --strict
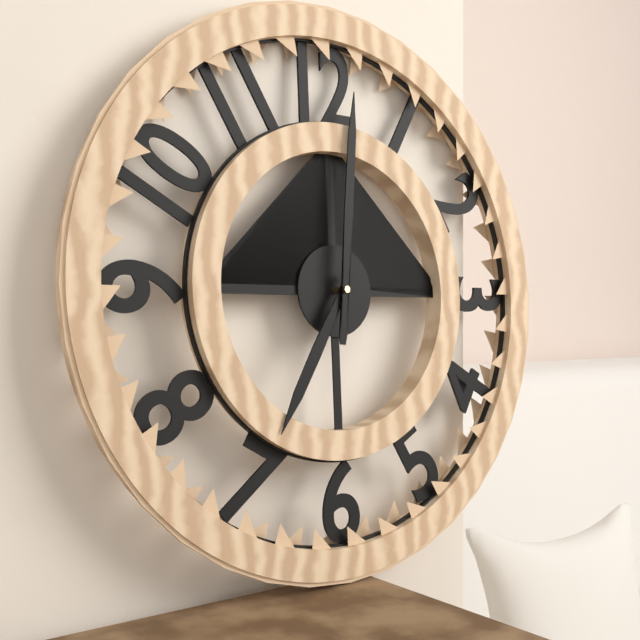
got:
7:01
